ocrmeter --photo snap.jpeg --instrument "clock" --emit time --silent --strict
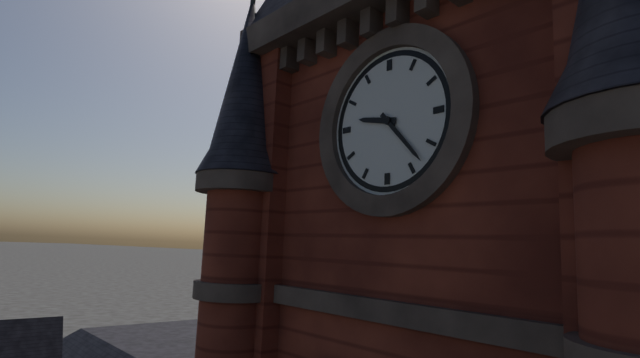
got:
9:23
